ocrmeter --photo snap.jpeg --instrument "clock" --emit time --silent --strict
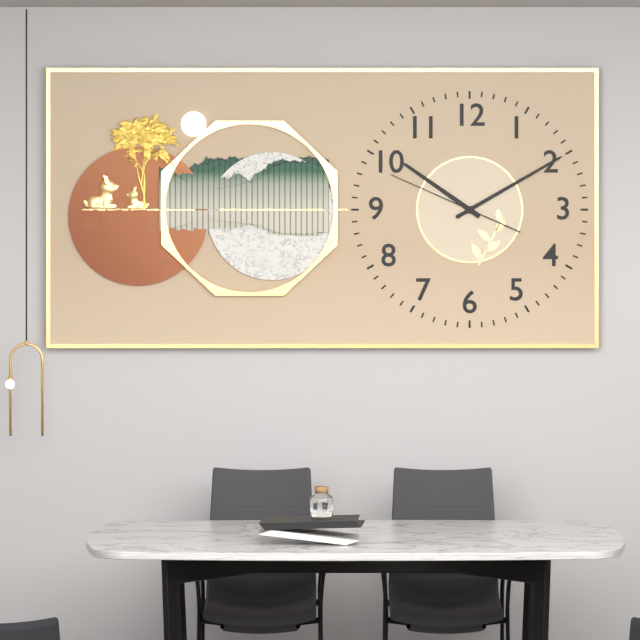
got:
10:10:49
